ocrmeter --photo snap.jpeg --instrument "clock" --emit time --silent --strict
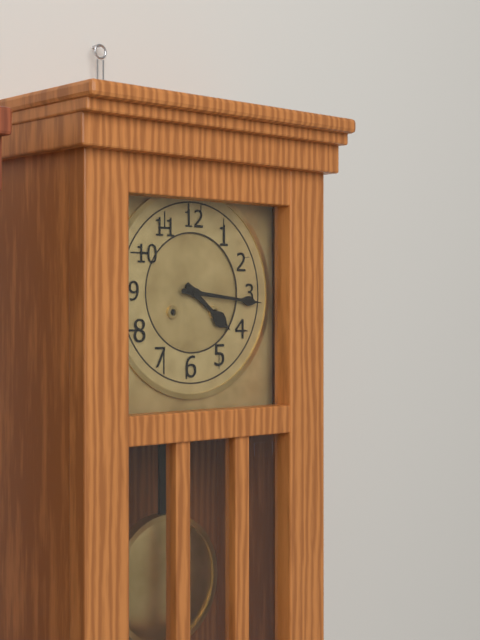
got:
4:16
